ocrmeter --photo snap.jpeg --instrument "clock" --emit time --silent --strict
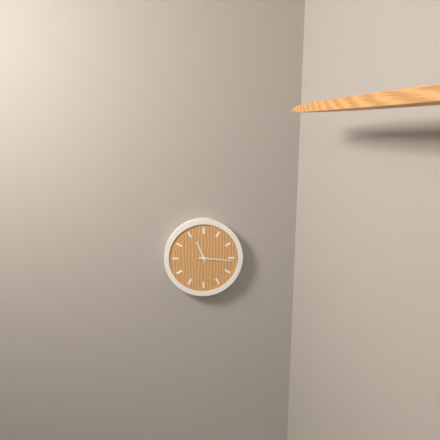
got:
11:16
